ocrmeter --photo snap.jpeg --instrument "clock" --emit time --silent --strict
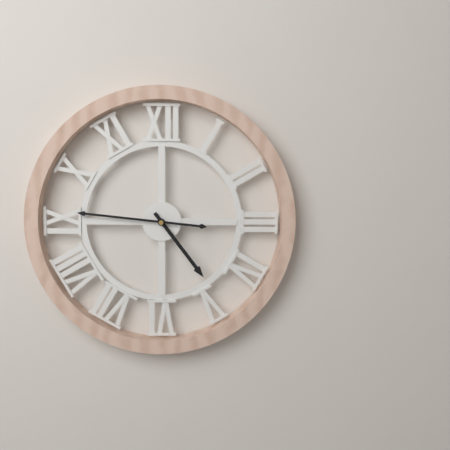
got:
4:46
